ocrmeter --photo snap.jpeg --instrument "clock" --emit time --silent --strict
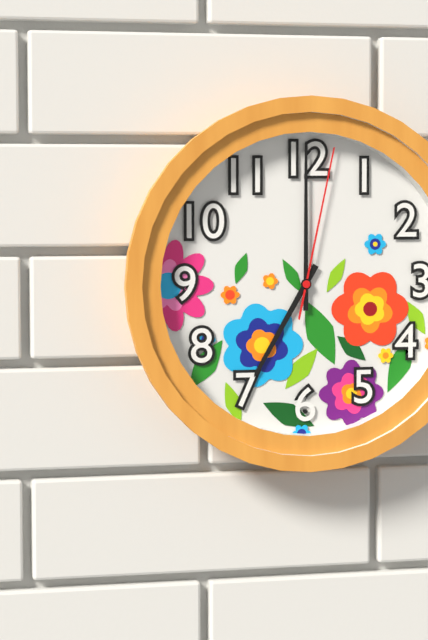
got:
7:00:02
